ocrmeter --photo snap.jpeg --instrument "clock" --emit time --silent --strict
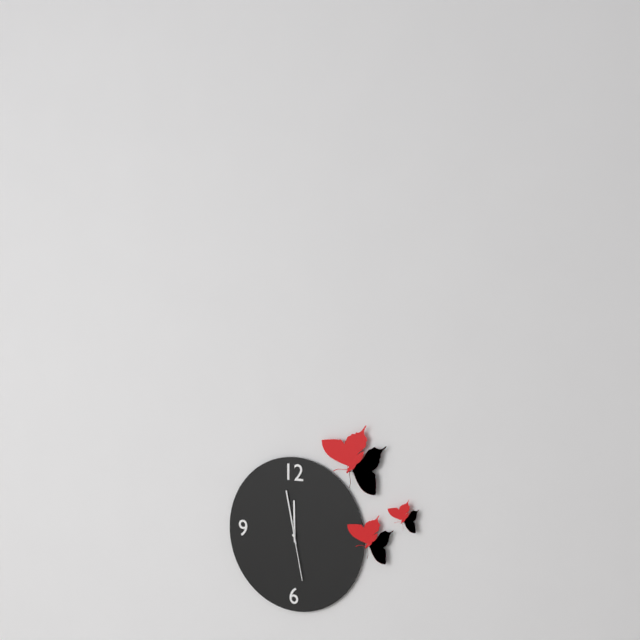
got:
11:58:28
